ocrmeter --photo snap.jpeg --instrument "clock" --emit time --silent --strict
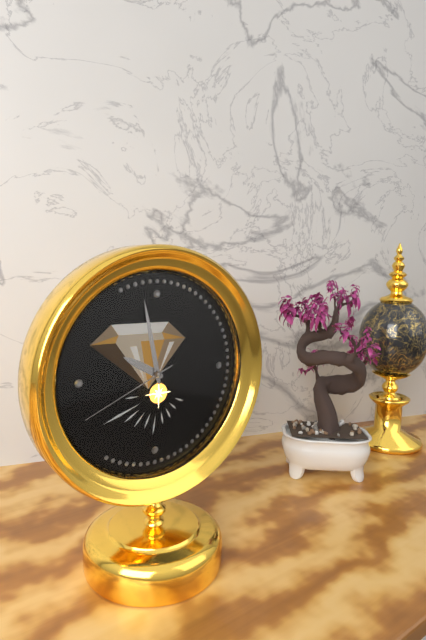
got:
9:58:41
